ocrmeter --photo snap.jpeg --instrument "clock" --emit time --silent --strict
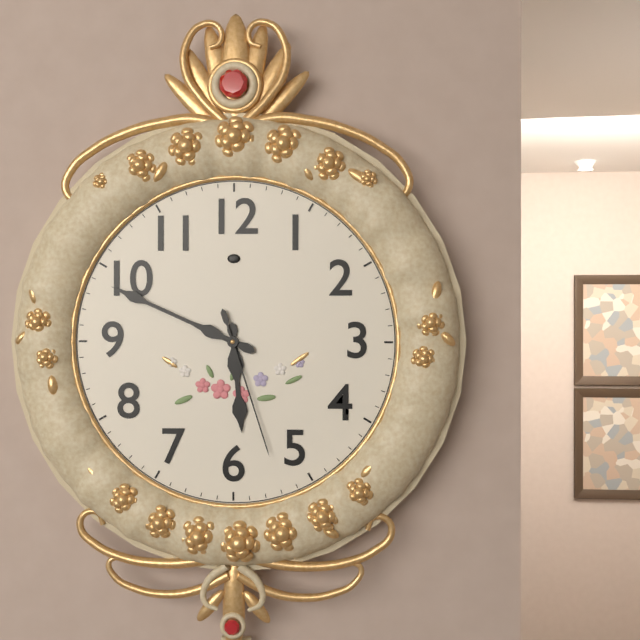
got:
5:49:27
